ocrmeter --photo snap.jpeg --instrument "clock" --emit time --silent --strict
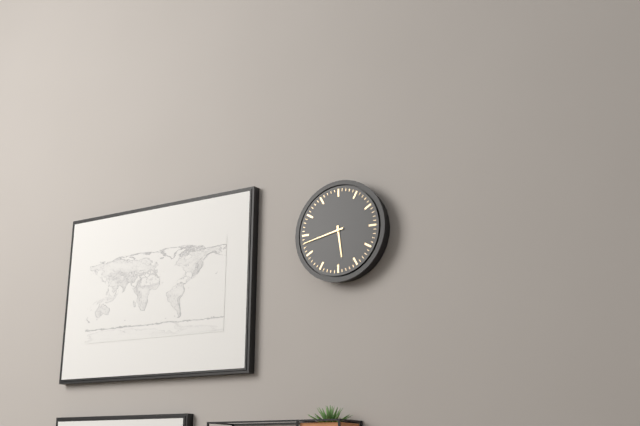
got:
5:43
